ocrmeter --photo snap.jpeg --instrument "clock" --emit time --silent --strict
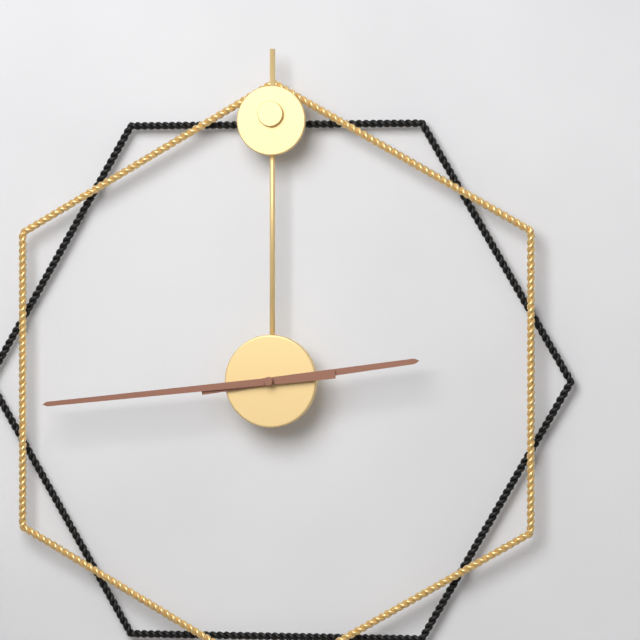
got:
2:44
